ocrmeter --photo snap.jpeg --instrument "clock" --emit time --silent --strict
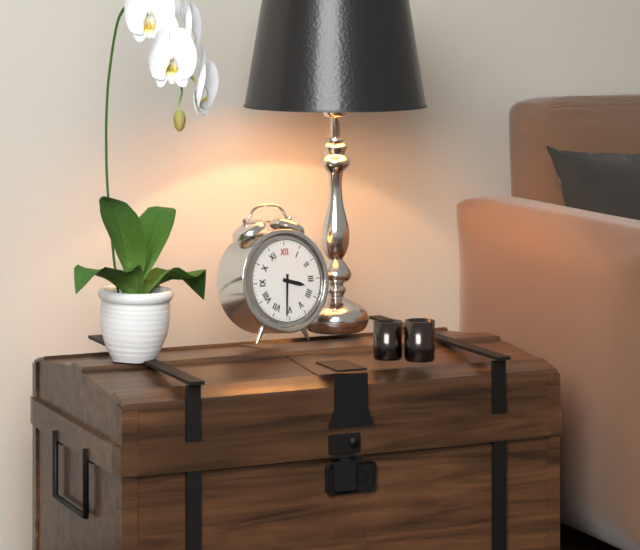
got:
3:31
